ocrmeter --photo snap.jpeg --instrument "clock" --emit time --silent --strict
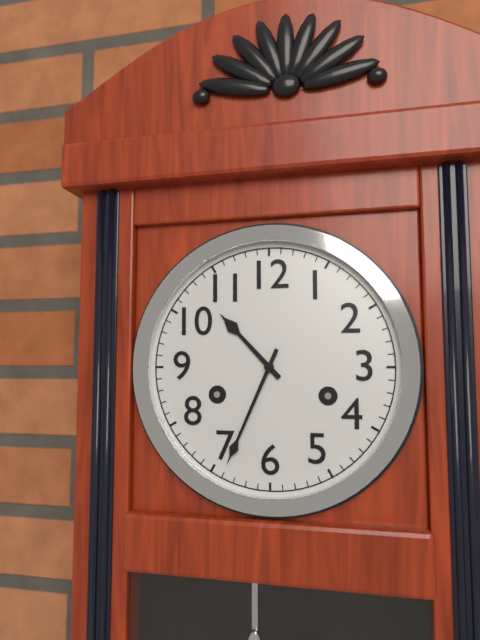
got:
10:34
